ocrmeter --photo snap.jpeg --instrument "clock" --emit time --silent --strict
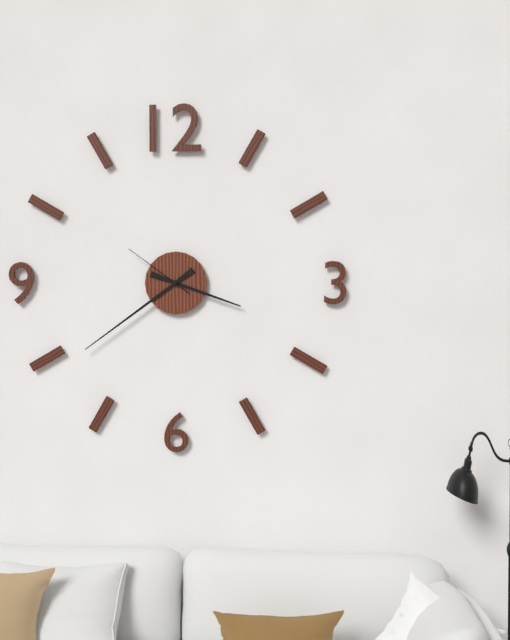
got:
3:39:51
